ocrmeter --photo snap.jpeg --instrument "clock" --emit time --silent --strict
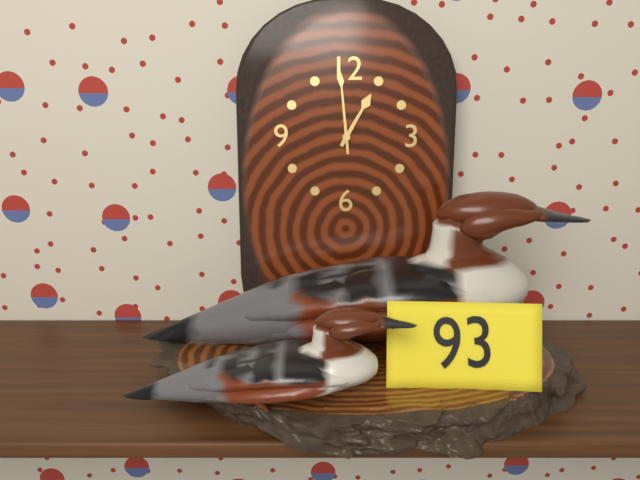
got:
12:59
